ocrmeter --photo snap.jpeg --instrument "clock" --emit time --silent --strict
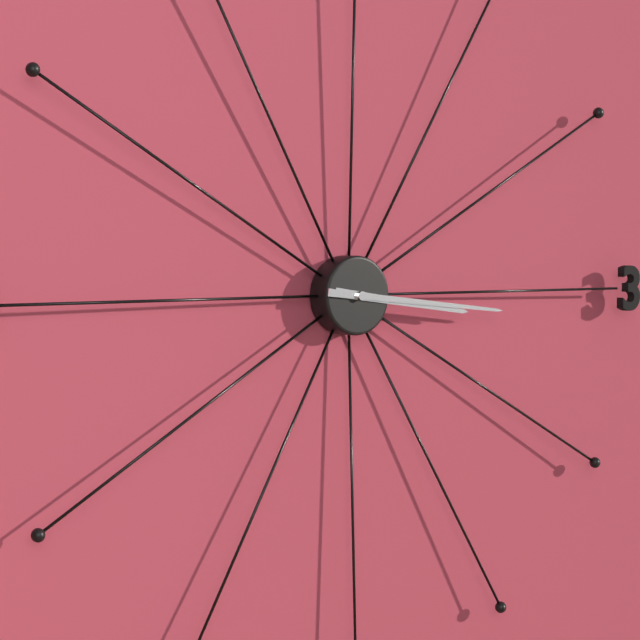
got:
3:16
